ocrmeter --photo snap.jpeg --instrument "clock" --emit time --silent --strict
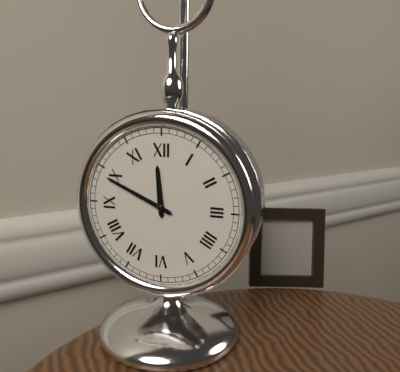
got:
11:49
